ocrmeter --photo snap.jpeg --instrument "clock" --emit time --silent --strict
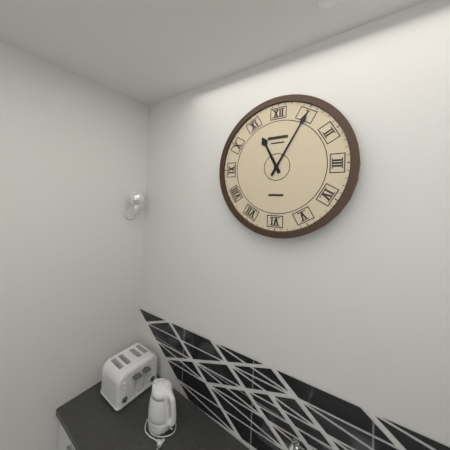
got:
11:05
